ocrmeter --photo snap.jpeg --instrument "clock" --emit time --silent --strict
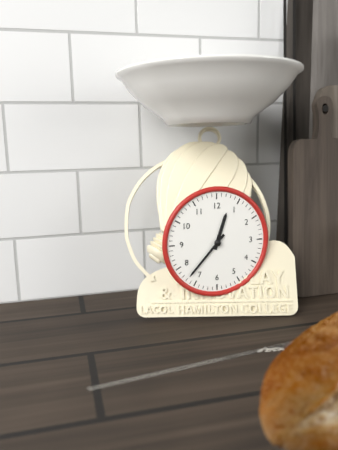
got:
12:37
